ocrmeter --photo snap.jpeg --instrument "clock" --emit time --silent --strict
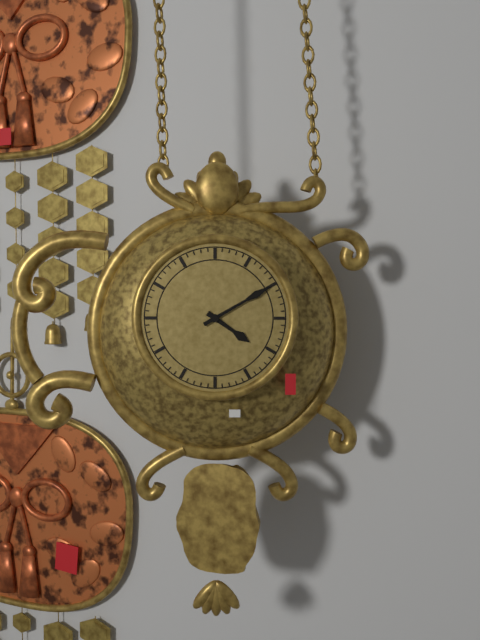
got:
4:10
